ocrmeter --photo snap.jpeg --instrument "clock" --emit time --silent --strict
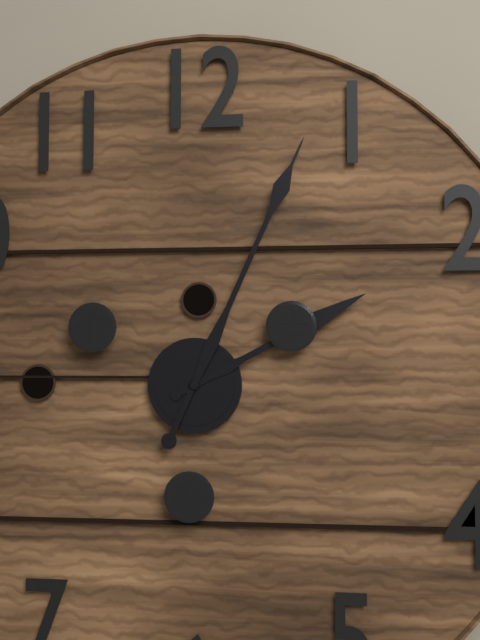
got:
2:04
